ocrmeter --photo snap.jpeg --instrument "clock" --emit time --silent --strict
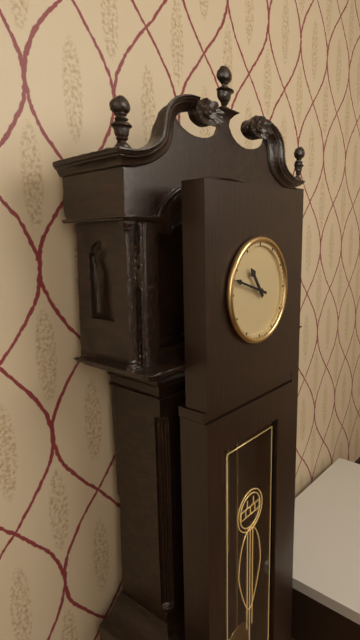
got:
10:48
